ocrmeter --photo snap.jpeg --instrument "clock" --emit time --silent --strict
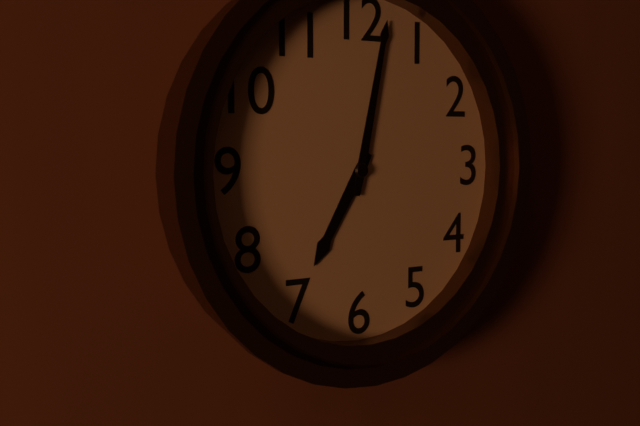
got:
7:02
